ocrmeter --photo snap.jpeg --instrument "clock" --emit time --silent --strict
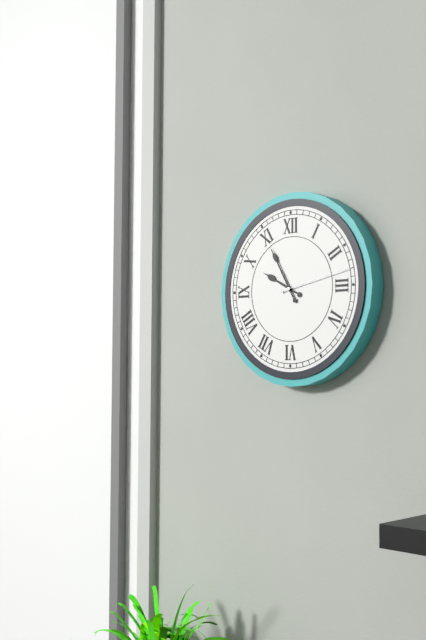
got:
9:55:13
